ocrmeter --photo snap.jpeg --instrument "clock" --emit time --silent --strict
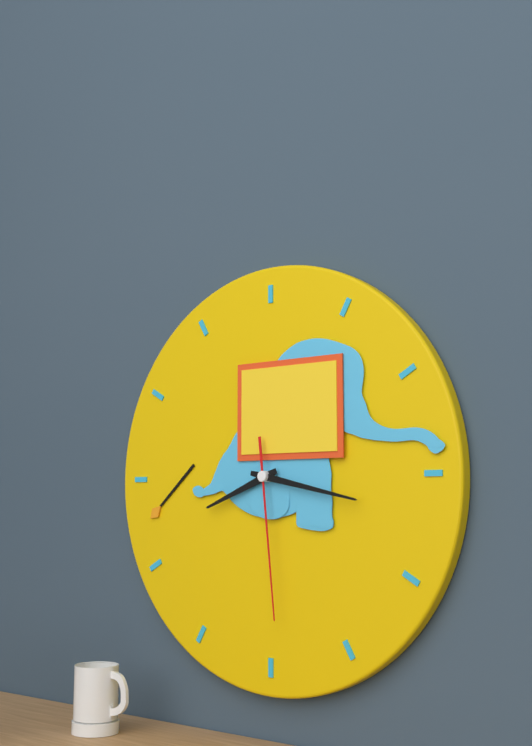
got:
8:17:29
